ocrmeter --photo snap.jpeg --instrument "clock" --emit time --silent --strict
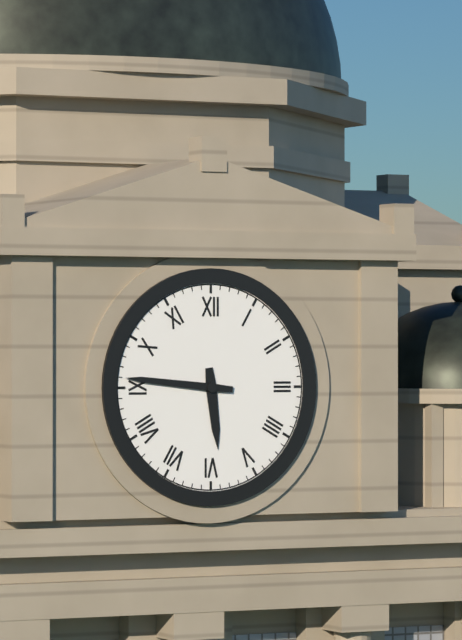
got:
5:46
